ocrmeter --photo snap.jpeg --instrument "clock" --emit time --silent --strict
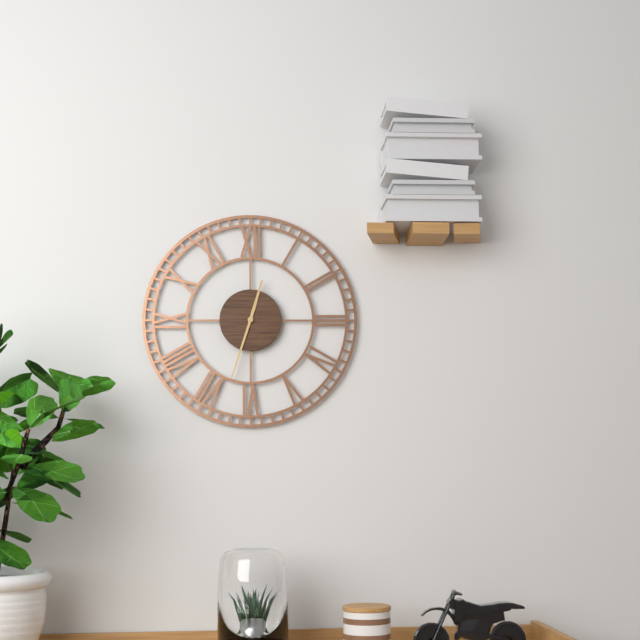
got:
12:33
